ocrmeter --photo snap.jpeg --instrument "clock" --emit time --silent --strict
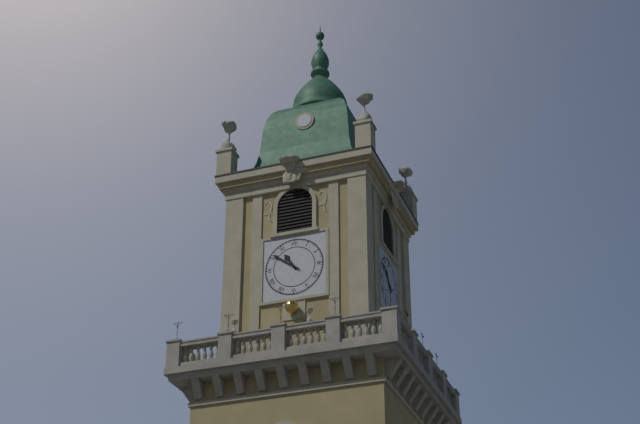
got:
10:51
